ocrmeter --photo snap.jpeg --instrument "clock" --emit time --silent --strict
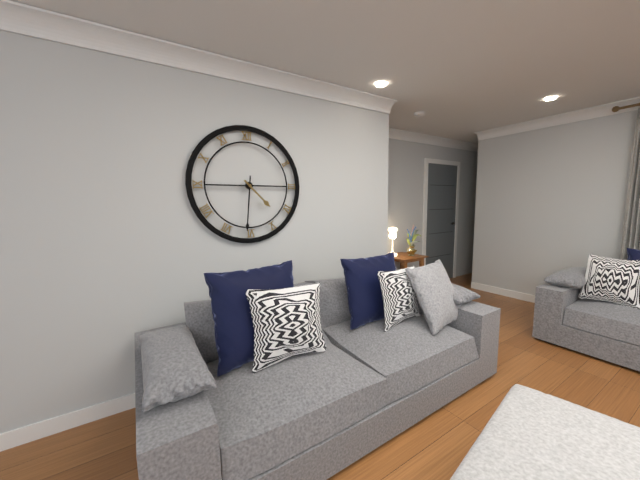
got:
4:31
